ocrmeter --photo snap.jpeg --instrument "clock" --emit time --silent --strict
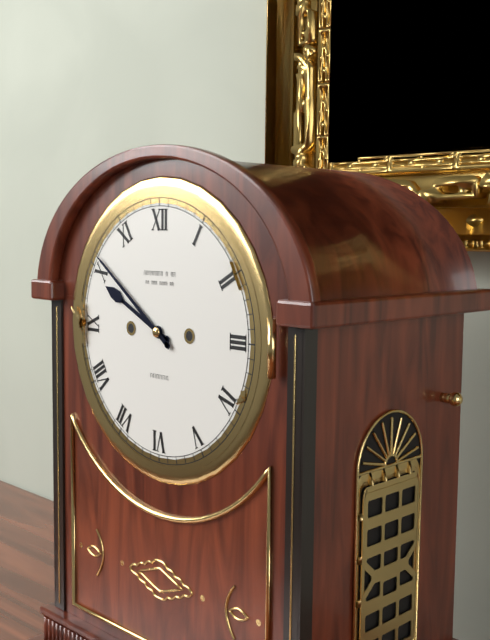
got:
9:51
